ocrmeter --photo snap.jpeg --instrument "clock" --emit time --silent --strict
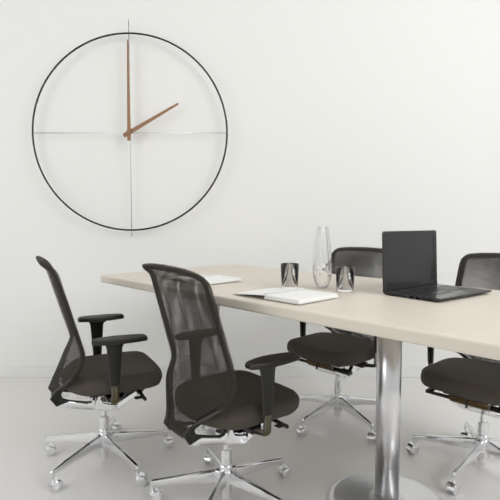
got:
2:00
